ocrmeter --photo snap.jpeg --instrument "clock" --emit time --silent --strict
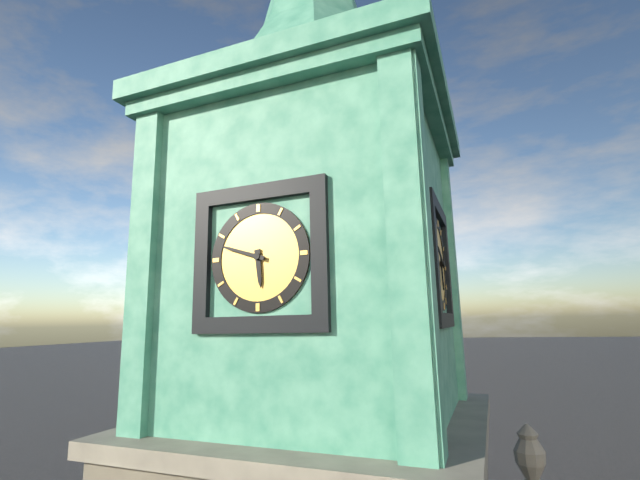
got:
5:48
